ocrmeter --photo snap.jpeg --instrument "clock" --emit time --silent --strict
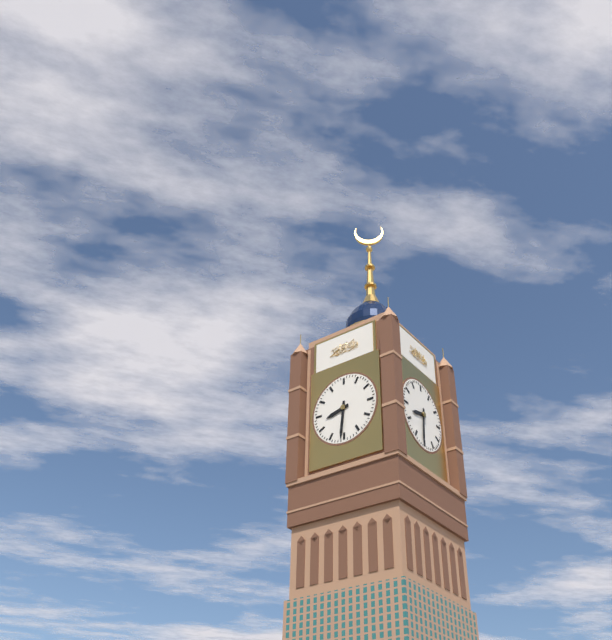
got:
8:31
